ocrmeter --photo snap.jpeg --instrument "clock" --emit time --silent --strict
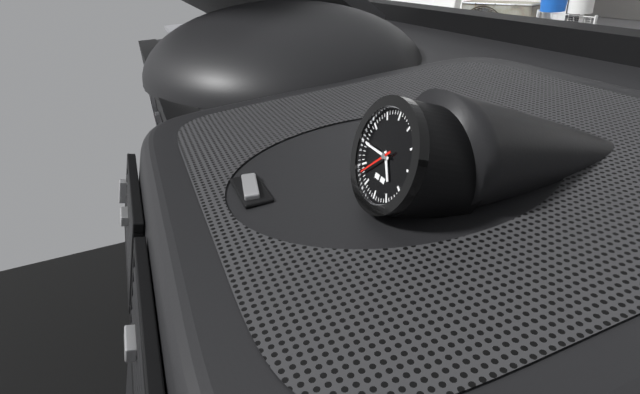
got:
4:45
